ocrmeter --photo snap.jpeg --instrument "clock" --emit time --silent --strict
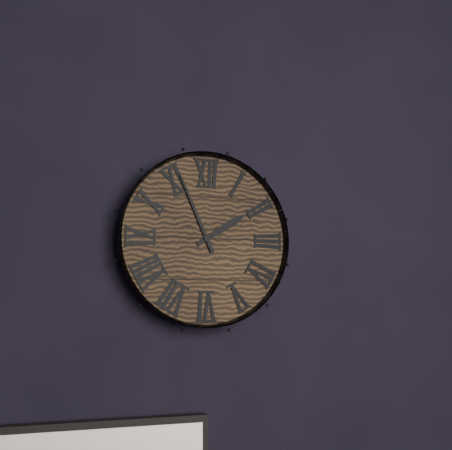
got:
1:56
